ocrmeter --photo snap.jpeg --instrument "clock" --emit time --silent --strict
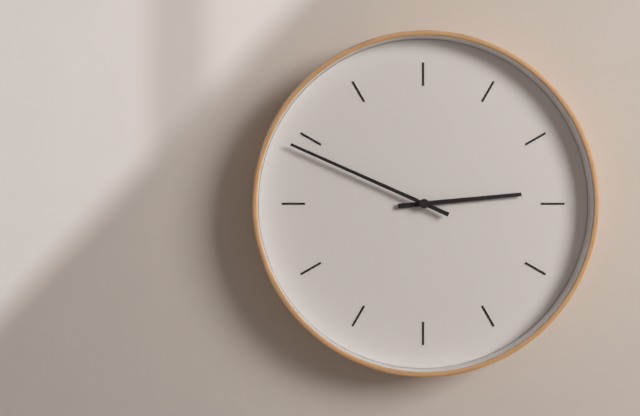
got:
2:49
